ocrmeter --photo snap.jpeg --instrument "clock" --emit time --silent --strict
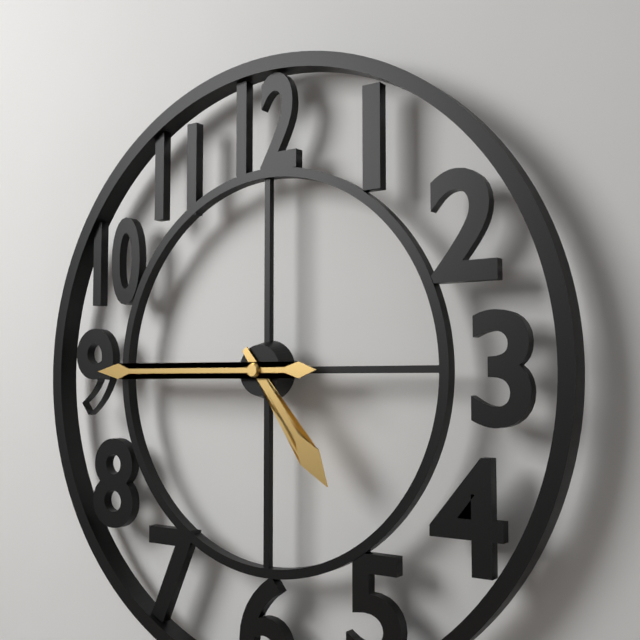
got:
4:45
